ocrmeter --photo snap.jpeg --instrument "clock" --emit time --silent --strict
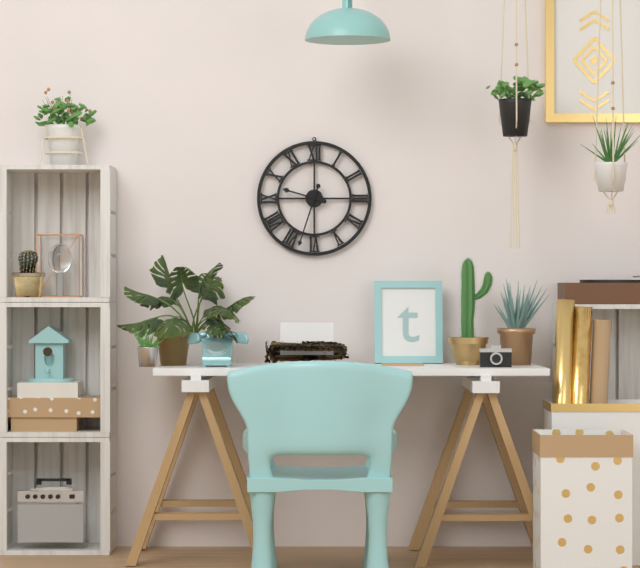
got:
9:33
